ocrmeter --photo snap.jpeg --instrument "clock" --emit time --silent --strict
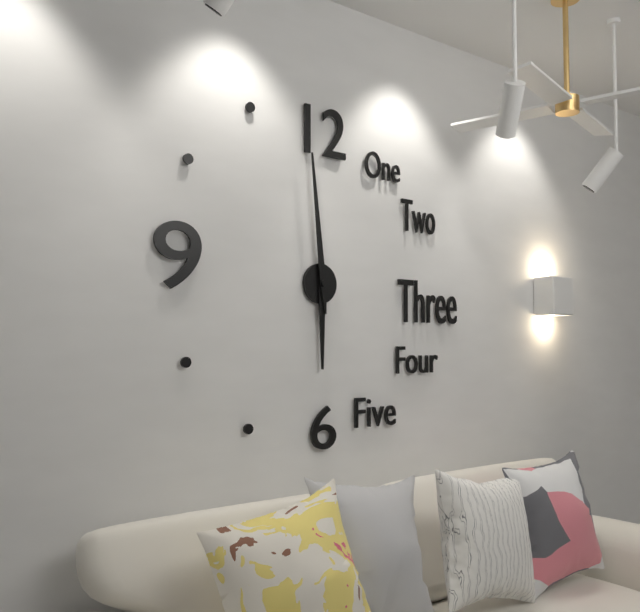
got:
5:59
